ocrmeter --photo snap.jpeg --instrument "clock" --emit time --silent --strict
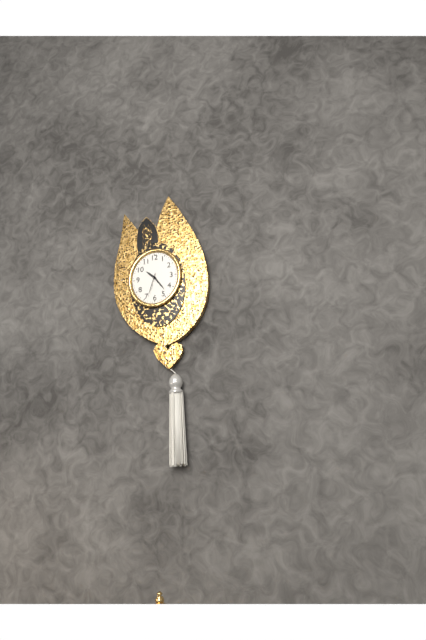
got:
10:24
